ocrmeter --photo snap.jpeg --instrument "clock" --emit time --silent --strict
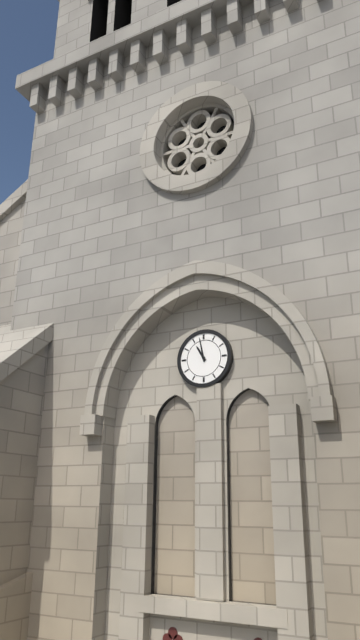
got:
10:58
